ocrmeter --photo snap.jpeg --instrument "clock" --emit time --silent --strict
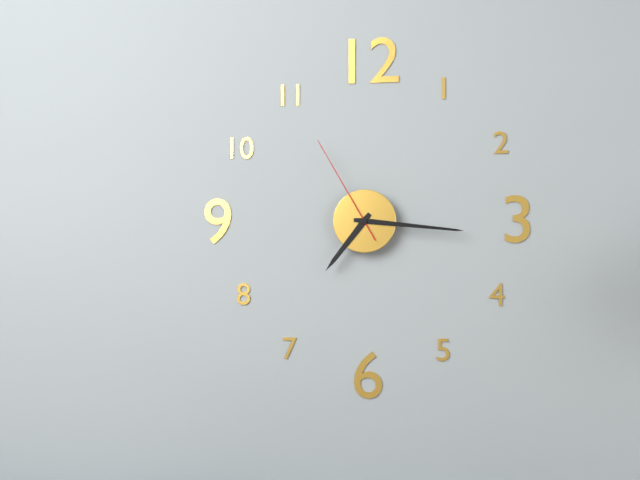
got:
7:16:55
